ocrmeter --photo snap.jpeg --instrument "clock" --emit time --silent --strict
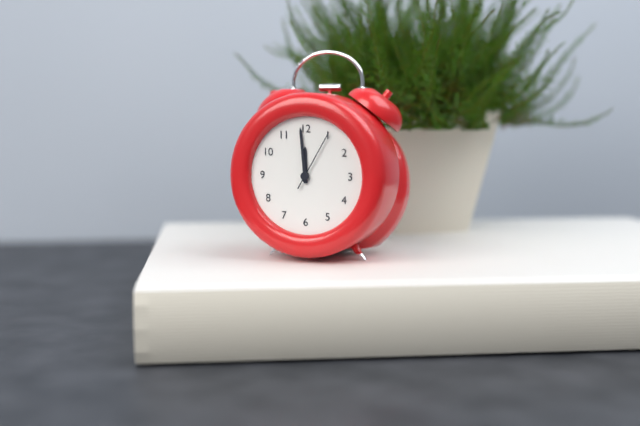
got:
11:59:05
